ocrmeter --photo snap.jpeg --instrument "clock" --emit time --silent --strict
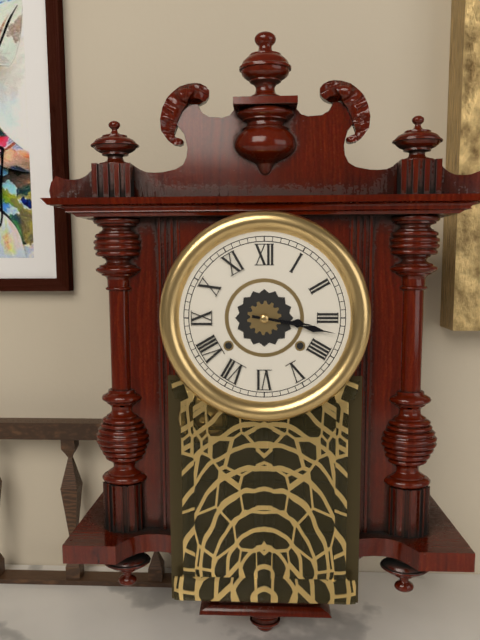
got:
3:17
